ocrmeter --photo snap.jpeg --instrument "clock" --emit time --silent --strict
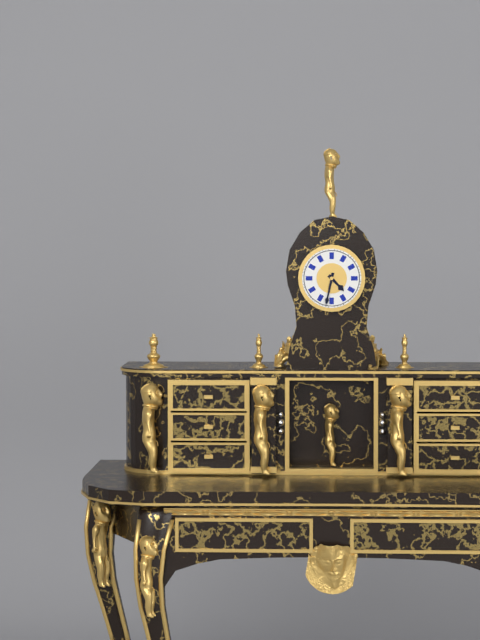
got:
4:32
